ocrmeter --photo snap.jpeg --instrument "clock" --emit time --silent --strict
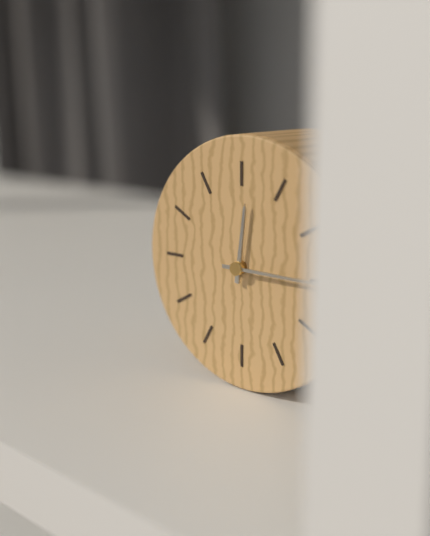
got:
12:15
